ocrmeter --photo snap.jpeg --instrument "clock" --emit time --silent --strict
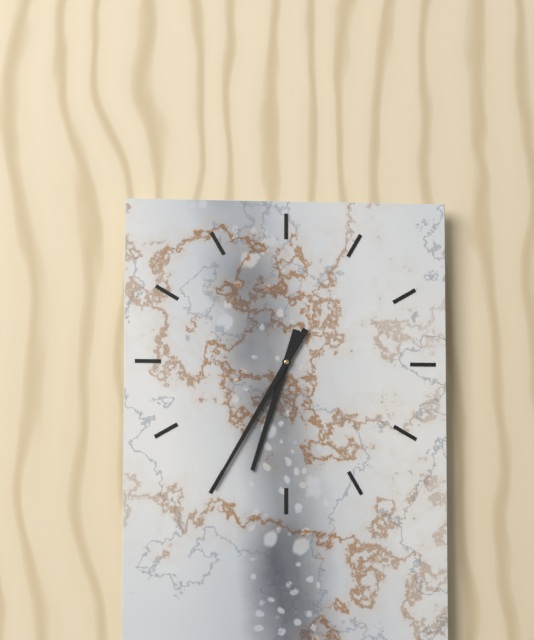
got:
6:35
